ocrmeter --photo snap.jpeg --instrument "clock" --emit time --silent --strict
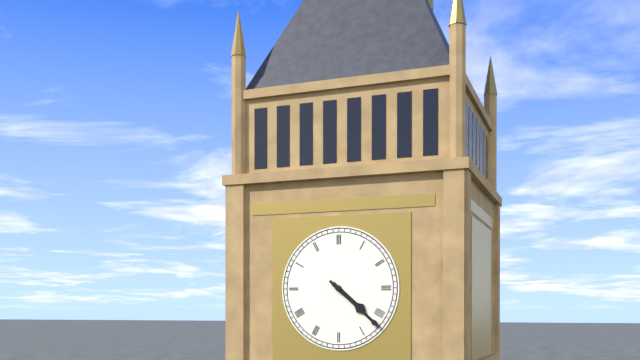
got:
4:22
